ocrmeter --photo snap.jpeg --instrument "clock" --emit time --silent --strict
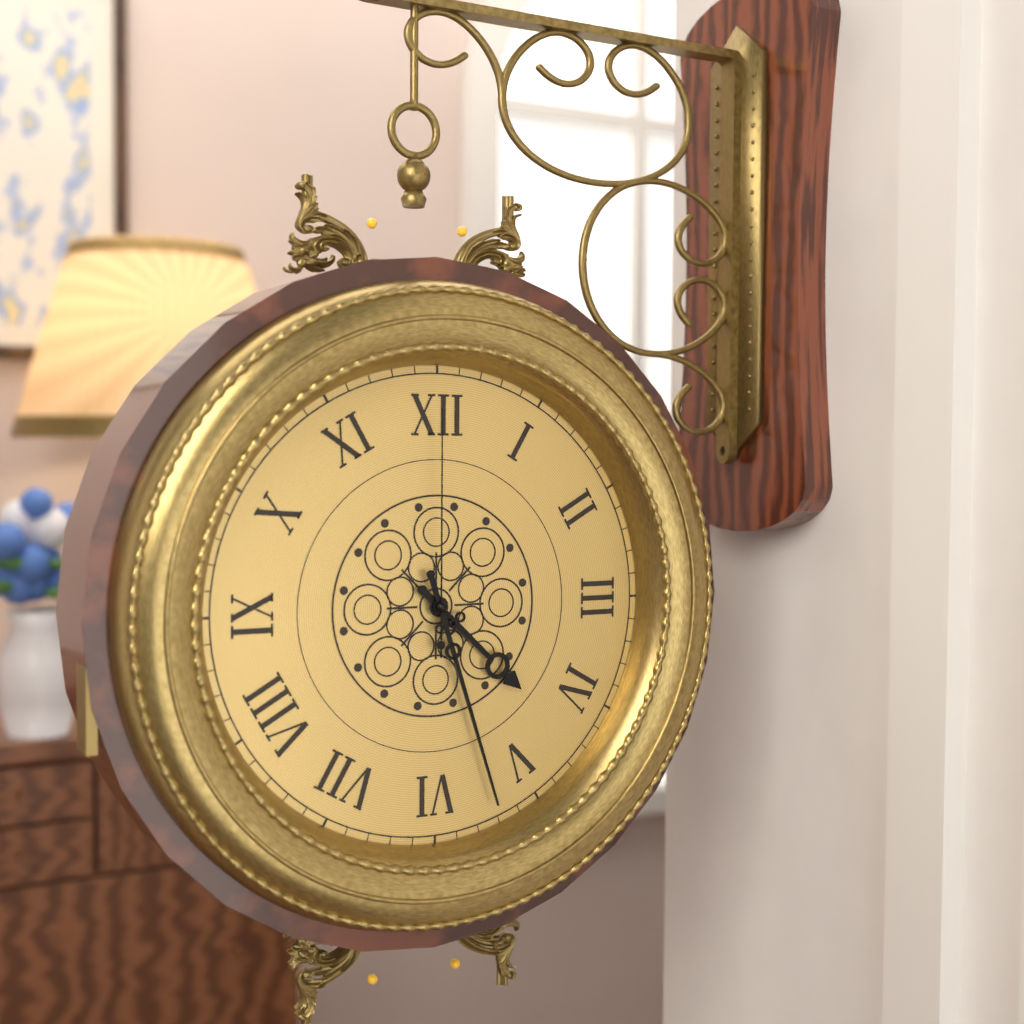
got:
4:27:00
